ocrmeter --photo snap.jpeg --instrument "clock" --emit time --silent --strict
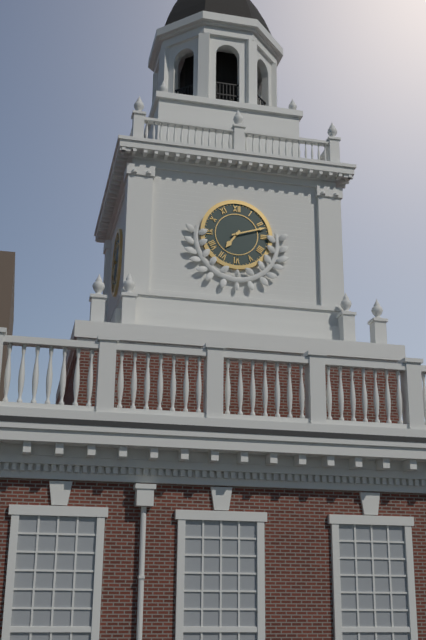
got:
7:12
